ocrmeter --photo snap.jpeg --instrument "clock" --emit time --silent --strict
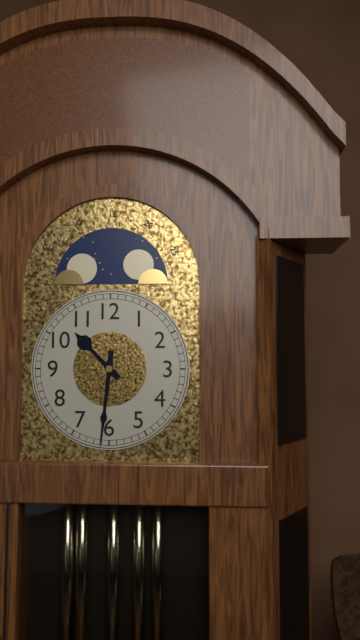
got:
10:31
